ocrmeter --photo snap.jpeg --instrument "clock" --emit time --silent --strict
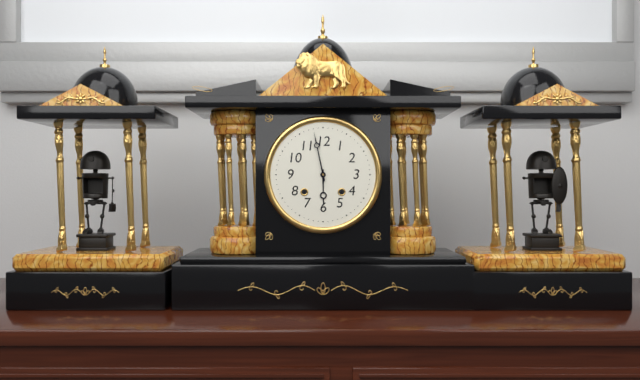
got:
5:58
